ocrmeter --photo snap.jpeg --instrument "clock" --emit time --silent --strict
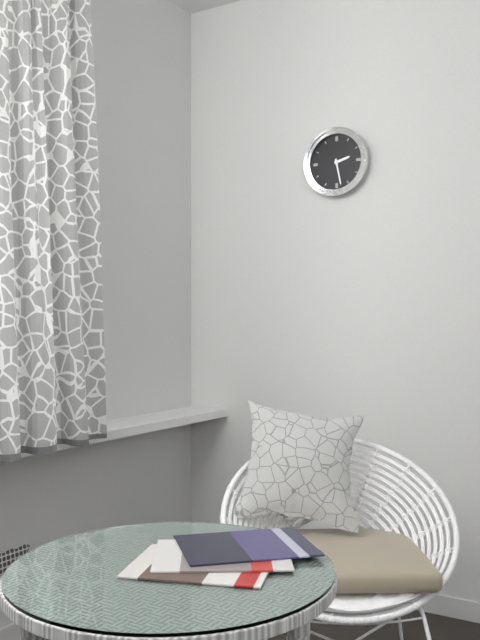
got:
2:28
